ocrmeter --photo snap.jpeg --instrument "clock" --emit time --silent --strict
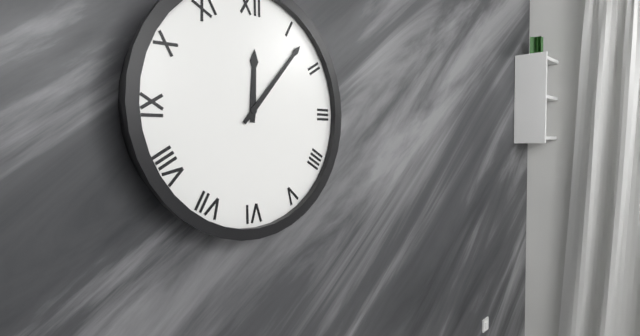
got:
12:07
